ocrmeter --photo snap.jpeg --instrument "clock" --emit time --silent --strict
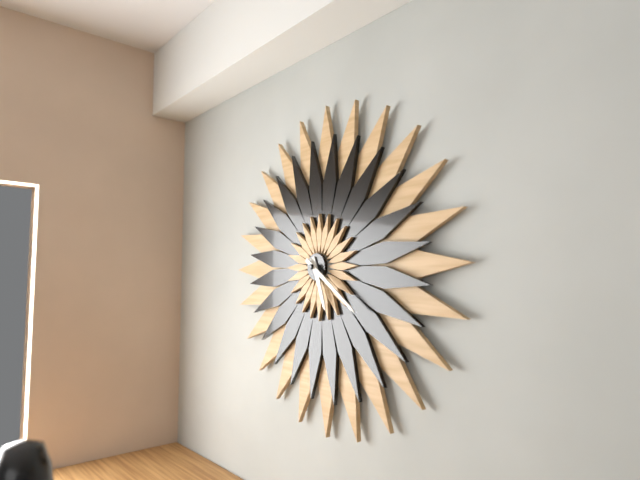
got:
5:21
